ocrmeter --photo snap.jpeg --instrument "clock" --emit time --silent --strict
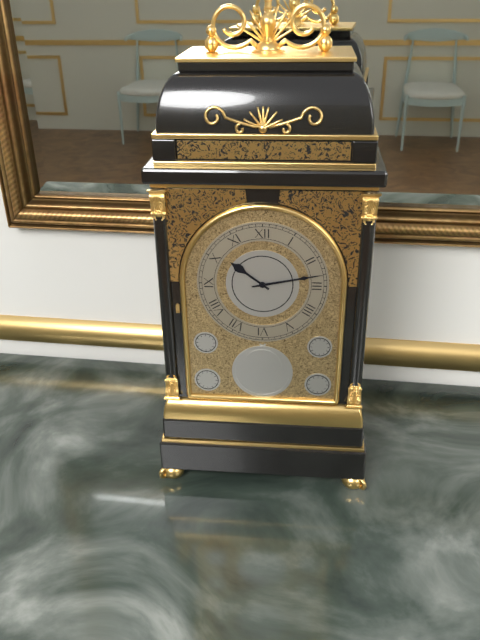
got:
10:13
